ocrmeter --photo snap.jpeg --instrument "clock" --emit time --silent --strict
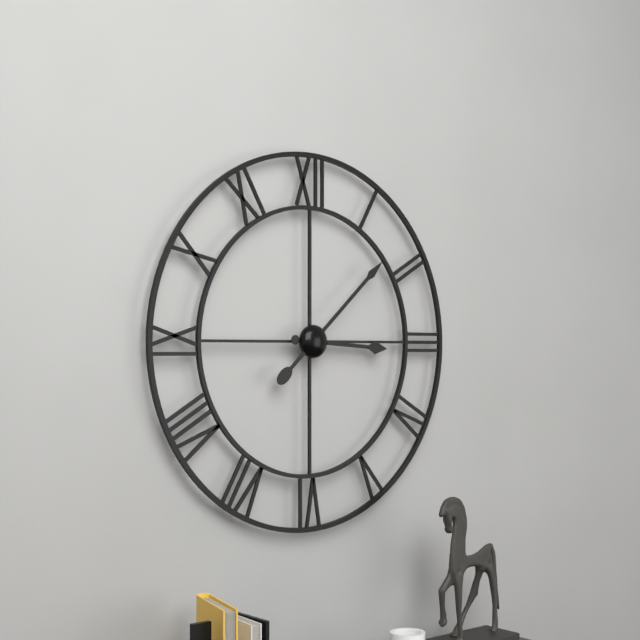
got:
3:08
